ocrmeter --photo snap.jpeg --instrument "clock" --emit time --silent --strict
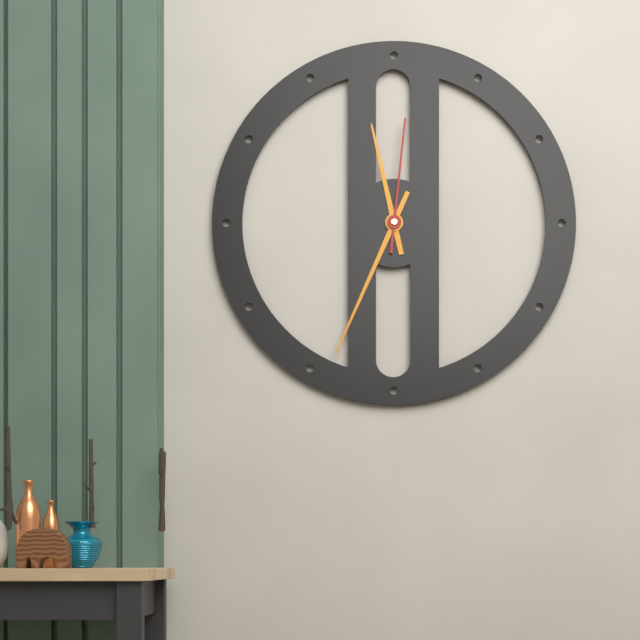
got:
11:34:01
